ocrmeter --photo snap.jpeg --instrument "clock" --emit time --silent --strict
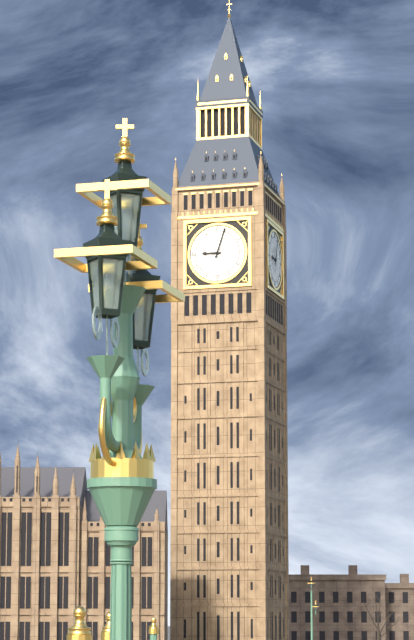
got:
9:03
